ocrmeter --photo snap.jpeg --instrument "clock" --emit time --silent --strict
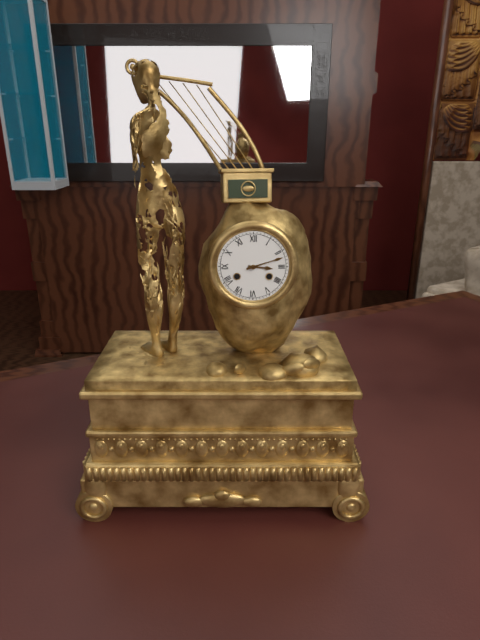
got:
3:12
